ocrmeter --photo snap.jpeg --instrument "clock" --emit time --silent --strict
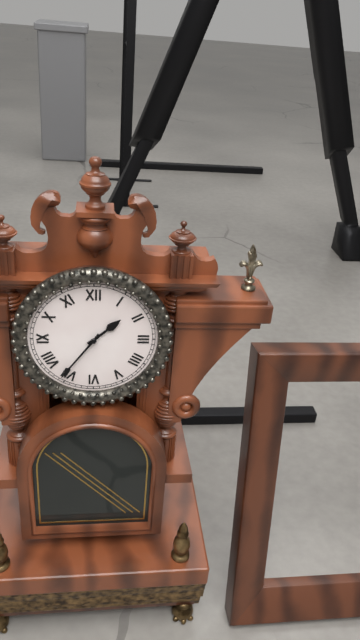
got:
1:36
